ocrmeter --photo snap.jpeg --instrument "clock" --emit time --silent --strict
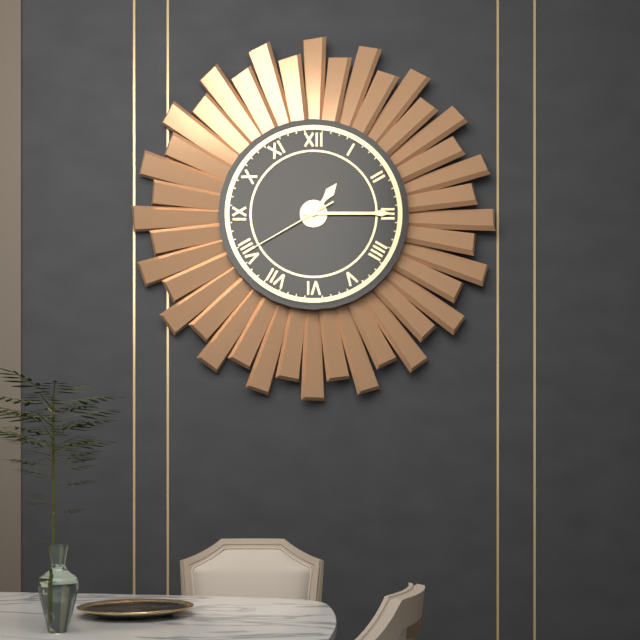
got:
1:15:40
